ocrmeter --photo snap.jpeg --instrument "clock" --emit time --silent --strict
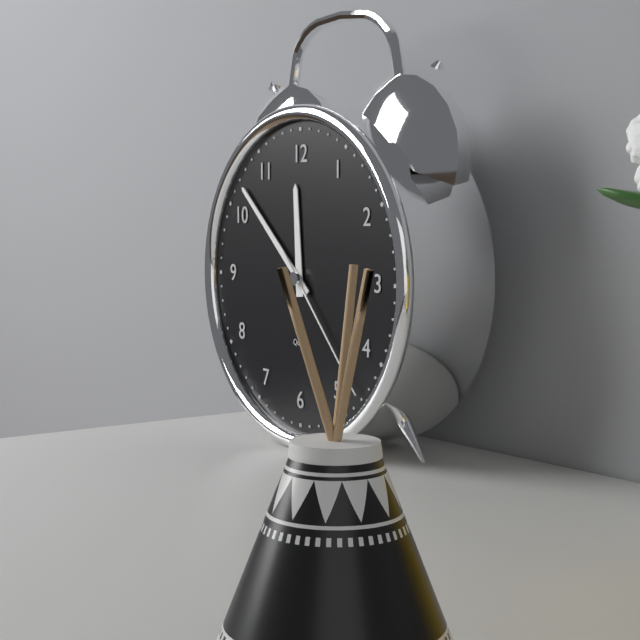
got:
11:52:23
